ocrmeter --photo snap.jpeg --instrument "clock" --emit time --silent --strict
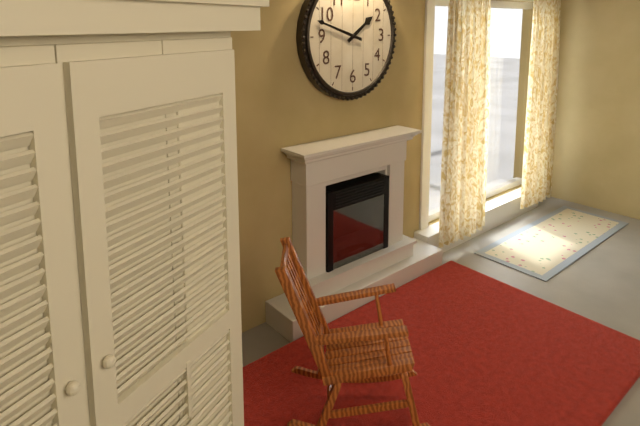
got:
1:48
